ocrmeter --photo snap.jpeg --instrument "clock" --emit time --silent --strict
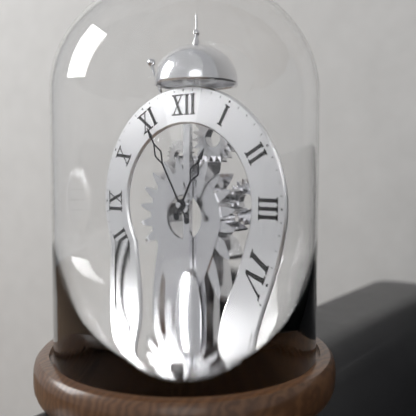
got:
12:55
